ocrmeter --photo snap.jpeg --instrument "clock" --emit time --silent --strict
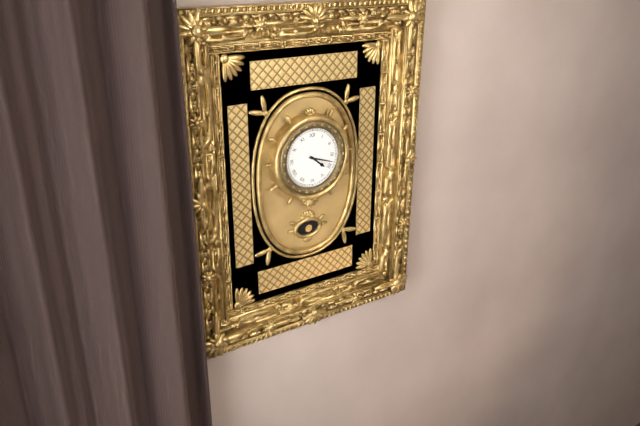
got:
4:18
